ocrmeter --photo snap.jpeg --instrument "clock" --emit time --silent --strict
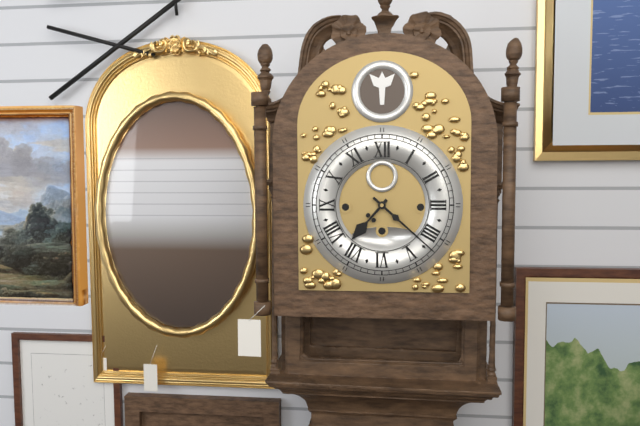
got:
7:22
